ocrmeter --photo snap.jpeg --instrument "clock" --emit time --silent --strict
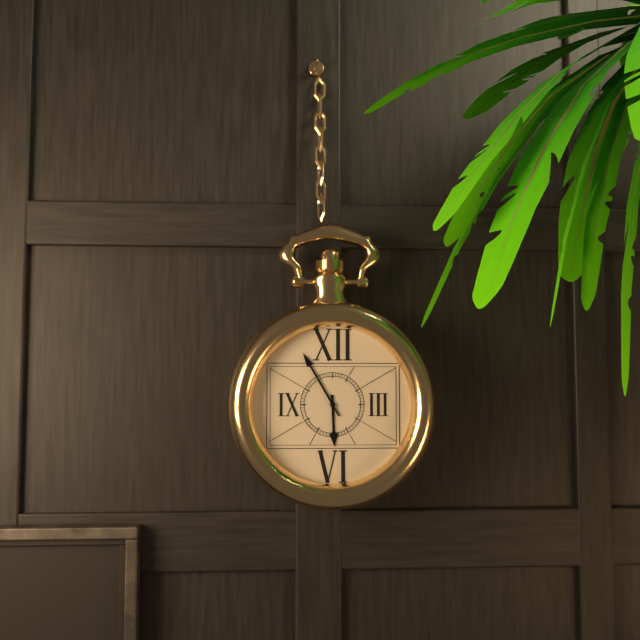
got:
5:55
